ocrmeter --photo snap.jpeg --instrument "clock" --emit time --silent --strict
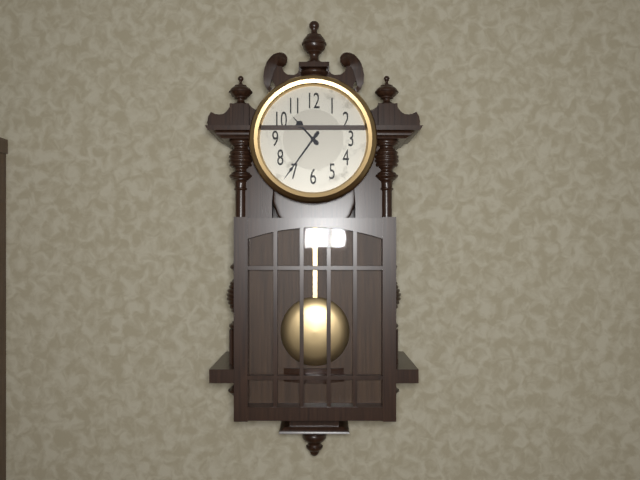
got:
10:36
